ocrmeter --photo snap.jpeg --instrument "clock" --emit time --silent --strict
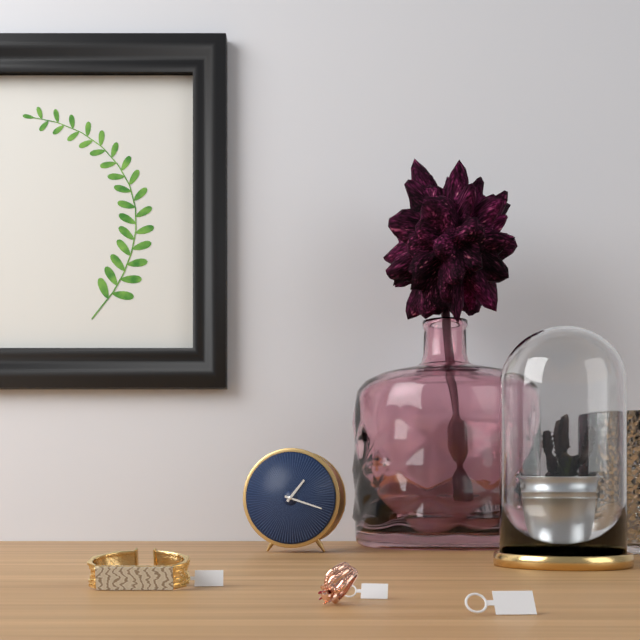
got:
1:18
